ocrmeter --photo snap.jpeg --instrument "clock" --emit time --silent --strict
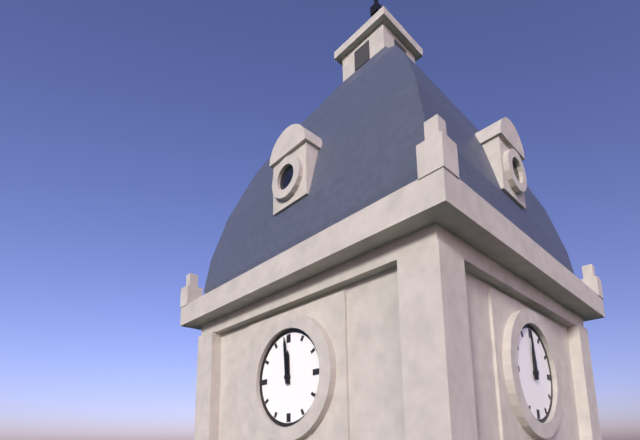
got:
11:59
